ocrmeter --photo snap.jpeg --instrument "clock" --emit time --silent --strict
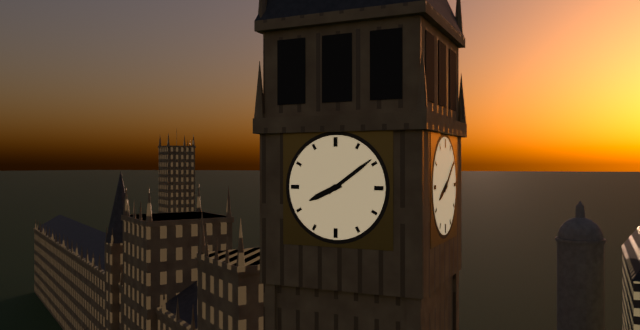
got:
8:09
